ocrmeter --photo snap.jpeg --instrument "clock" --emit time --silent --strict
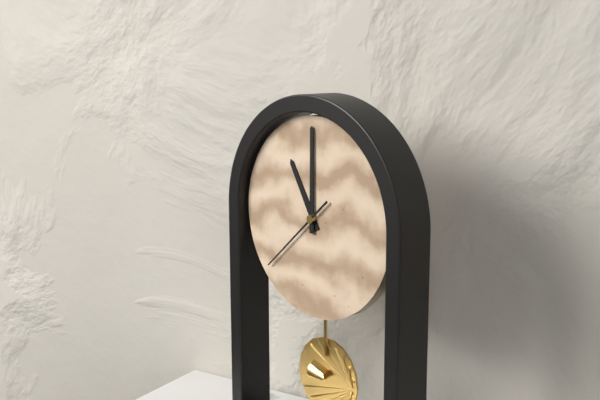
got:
11:00:38
